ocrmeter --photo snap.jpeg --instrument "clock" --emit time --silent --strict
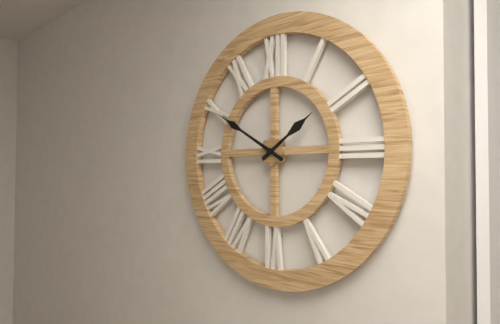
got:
1:50
